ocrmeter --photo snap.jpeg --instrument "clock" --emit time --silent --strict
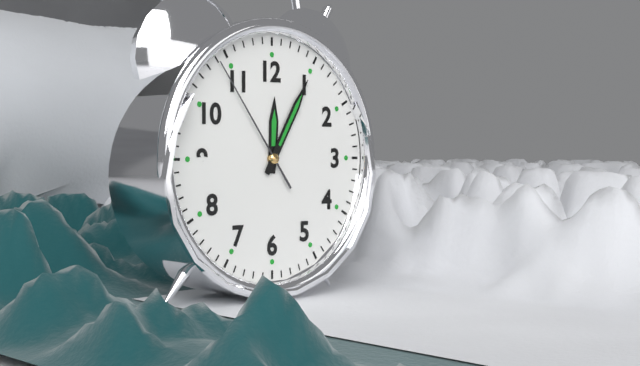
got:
12:05:54
